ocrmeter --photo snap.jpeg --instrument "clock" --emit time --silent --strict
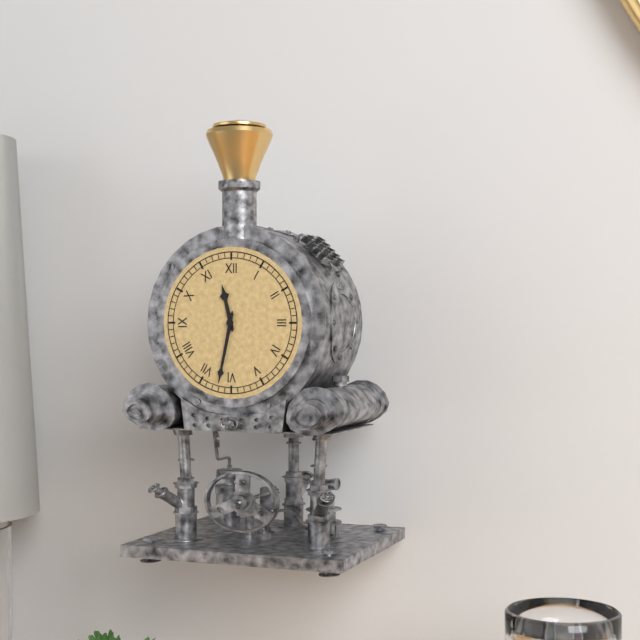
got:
11:32
